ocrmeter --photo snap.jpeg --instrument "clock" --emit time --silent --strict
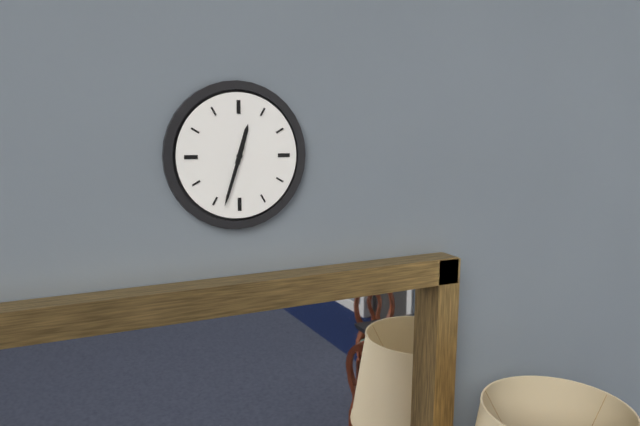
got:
12:33
